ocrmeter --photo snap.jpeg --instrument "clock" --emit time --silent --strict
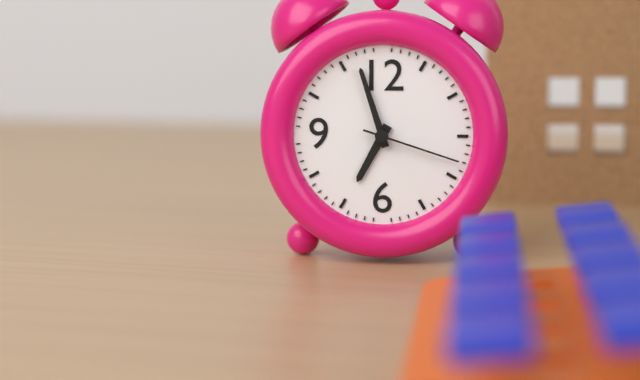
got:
6:57:18
